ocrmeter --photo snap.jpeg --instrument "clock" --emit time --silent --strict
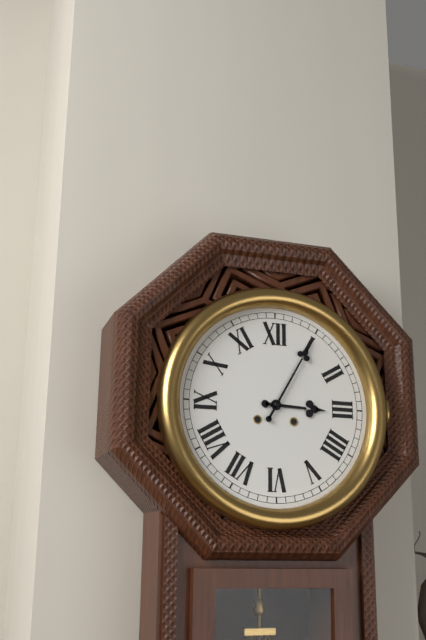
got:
3:05
